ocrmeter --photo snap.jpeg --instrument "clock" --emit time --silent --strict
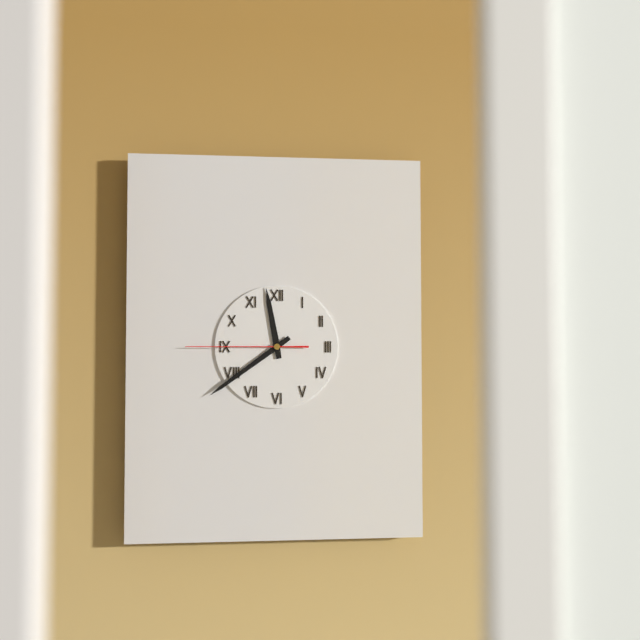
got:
11:39:45
